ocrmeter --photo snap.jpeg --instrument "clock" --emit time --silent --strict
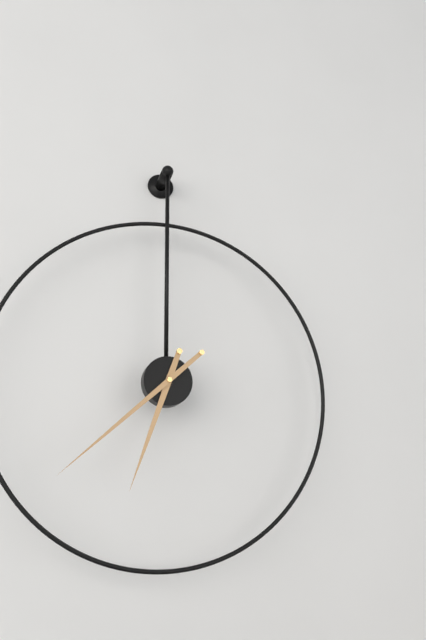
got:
6:38
